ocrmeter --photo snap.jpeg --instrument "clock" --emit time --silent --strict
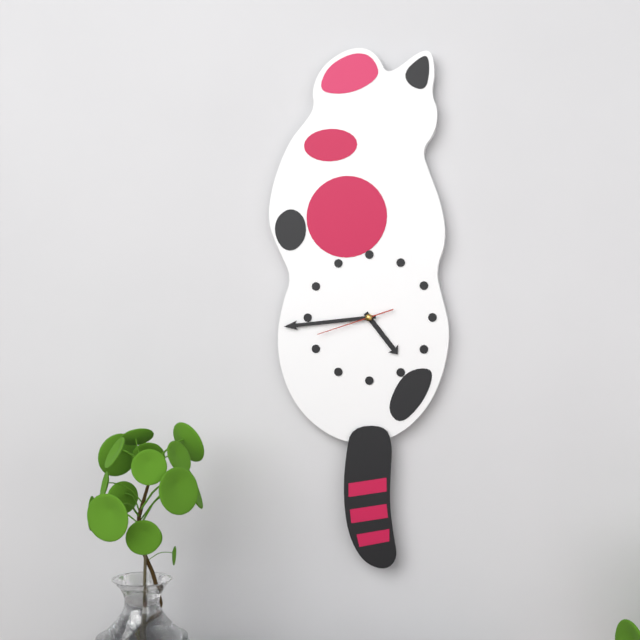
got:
4:44:42
